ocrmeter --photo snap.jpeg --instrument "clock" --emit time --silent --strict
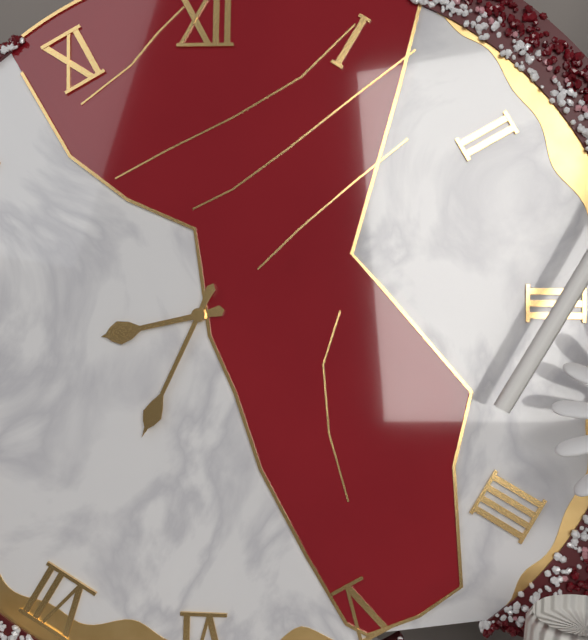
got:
8:34
